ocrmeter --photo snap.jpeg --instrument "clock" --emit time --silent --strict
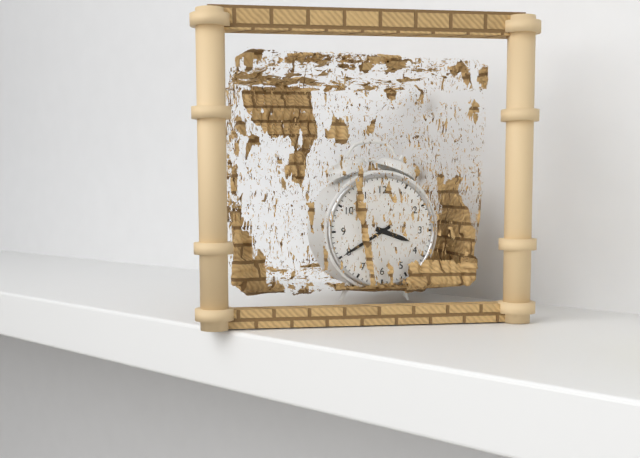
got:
3:40
